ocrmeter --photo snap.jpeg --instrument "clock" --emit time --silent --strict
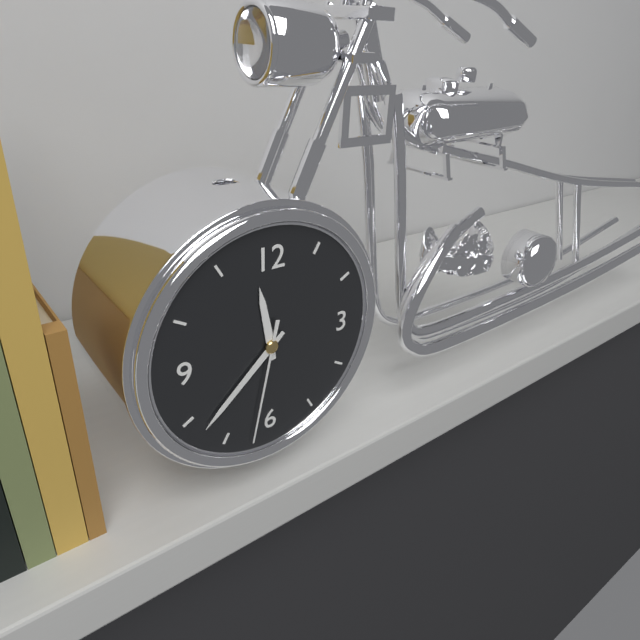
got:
11:38:32
